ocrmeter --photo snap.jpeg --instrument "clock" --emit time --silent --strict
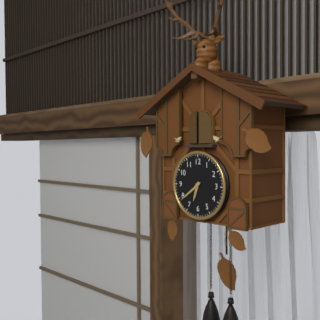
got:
6:39
